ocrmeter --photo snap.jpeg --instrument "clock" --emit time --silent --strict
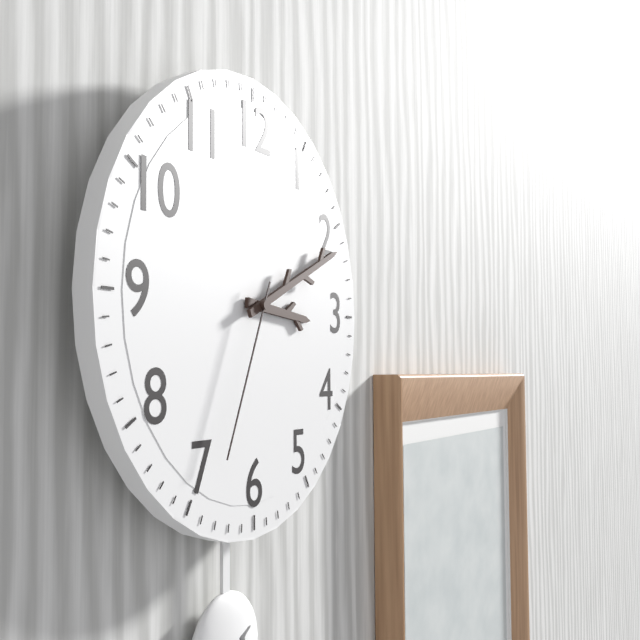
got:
3:11:34
